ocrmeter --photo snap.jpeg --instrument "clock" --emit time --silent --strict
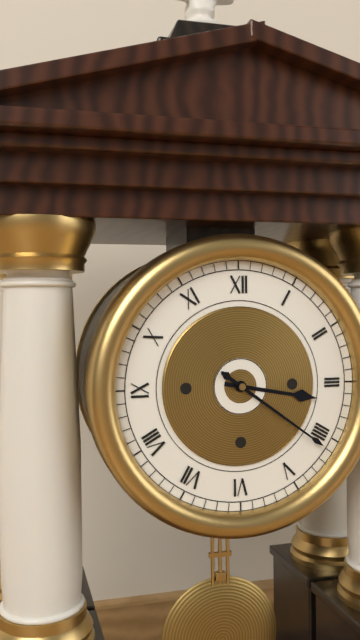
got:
3:21
